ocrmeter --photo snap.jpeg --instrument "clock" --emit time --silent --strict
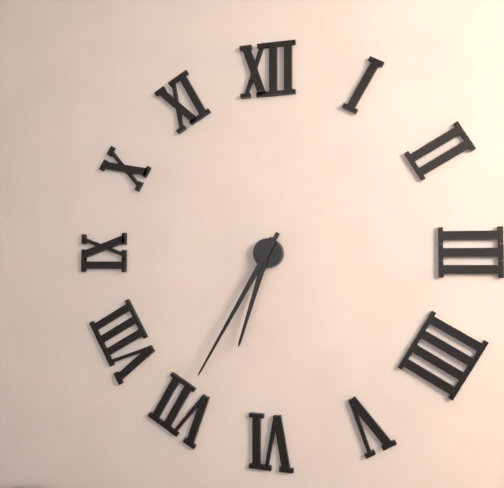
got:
6:35
